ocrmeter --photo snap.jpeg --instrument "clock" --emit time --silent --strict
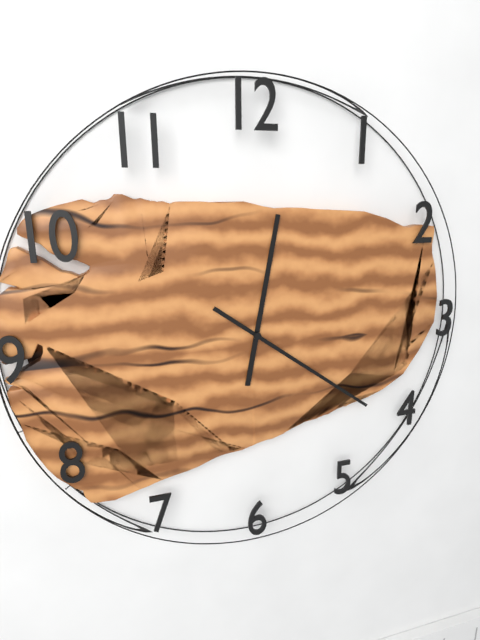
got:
12:21
